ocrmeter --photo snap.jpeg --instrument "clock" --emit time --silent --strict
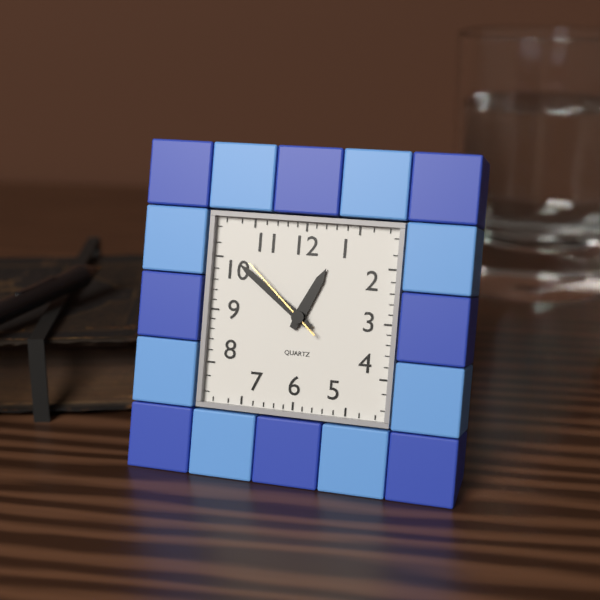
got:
12:51:52
